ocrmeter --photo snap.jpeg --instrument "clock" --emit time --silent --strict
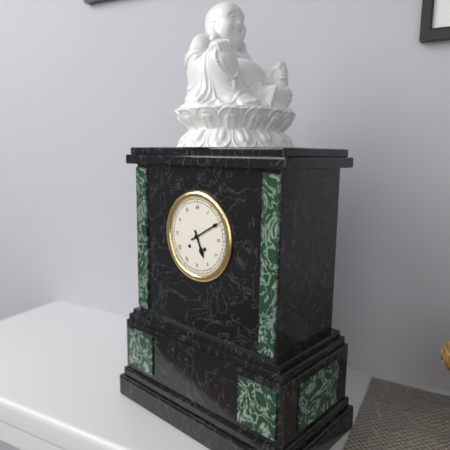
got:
5:10
